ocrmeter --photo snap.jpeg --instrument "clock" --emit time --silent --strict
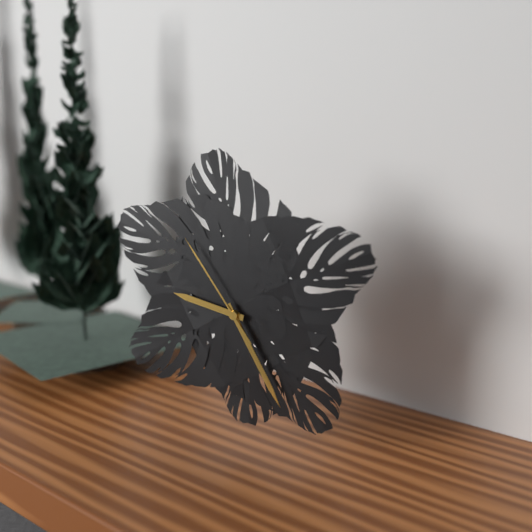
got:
9:25:54
